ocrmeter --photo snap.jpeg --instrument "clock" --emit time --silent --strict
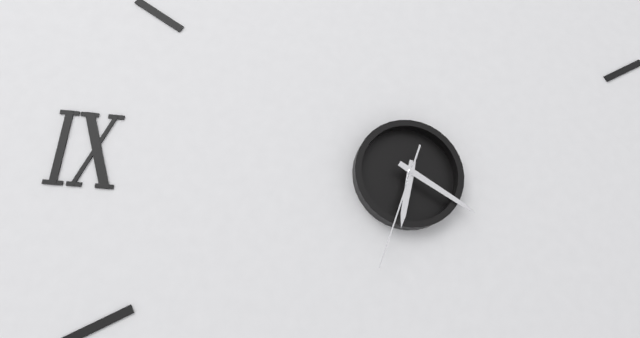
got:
6:20:33
